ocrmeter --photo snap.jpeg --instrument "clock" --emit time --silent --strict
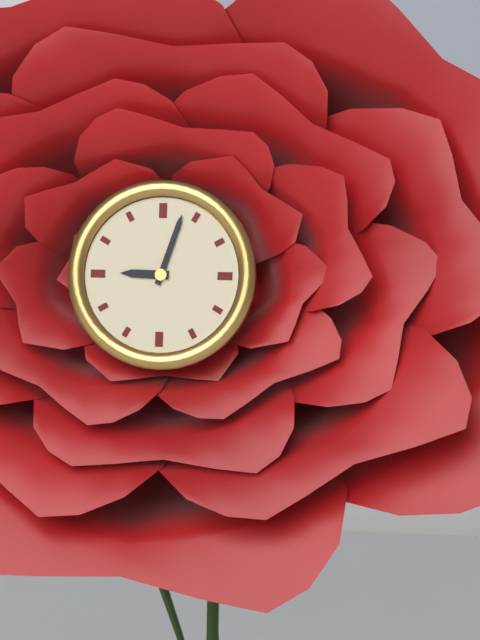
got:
9:03
